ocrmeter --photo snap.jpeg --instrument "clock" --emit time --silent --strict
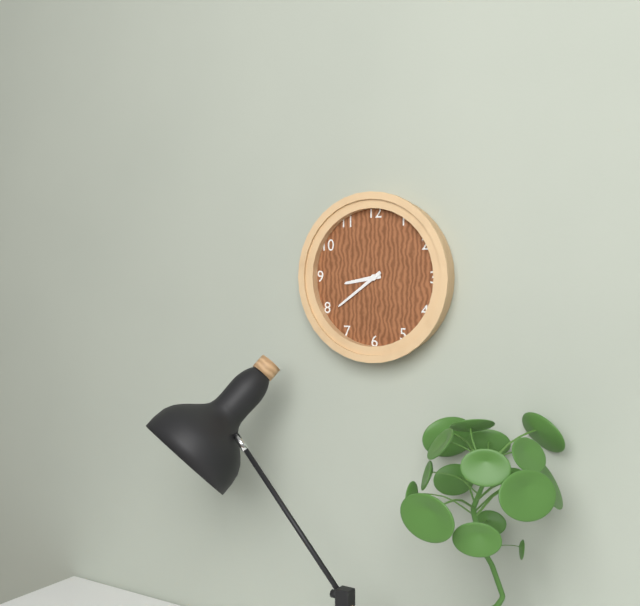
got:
8:39
